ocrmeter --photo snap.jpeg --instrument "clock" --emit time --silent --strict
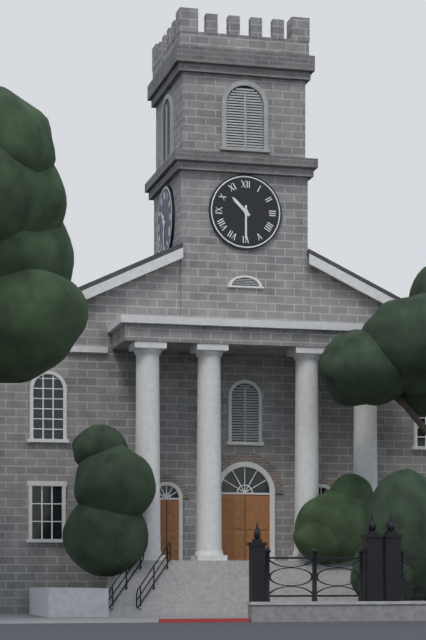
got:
10:30
